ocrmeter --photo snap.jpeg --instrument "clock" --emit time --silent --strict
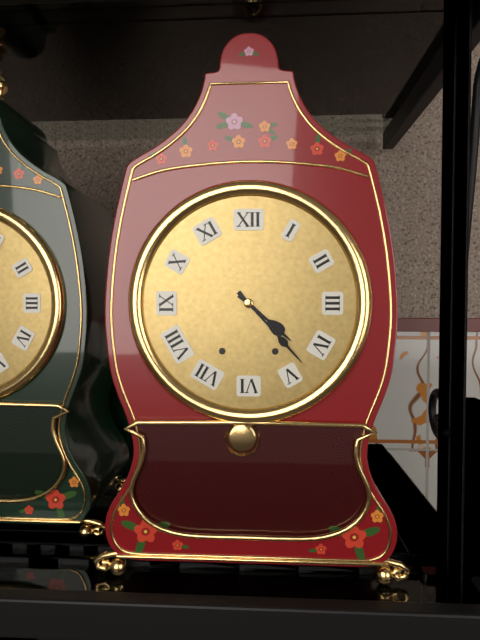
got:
4:23
